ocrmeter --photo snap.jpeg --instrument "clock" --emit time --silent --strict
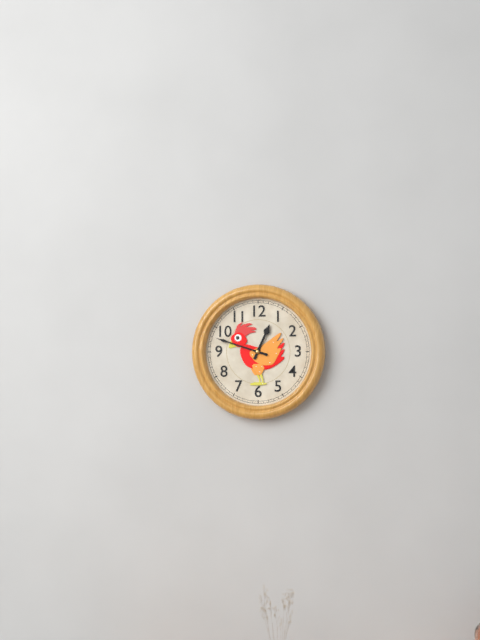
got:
12:48
